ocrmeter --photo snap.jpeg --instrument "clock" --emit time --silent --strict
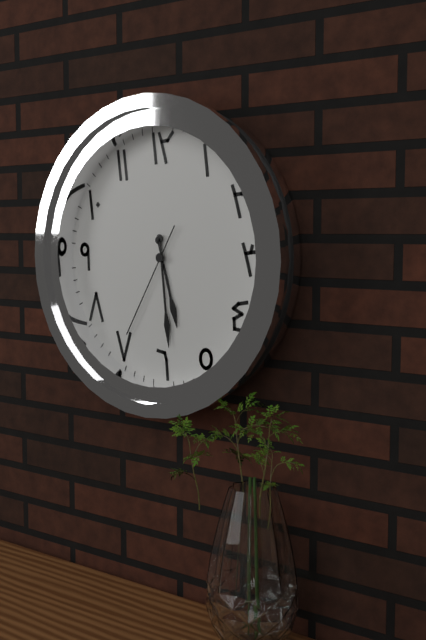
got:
5:29:35
